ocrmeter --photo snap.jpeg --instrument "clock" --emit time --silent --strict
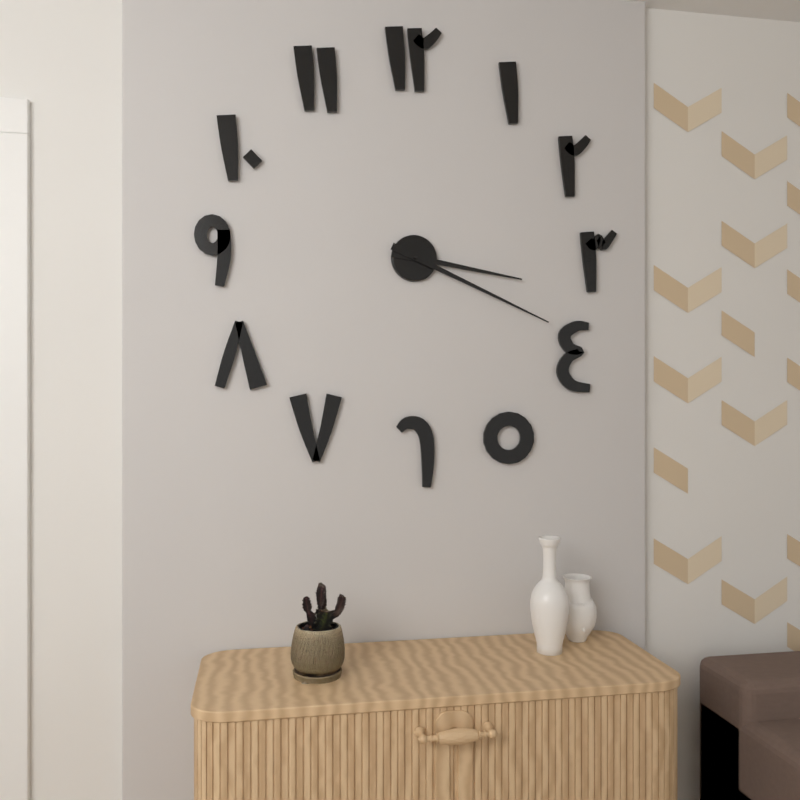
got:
3:19
